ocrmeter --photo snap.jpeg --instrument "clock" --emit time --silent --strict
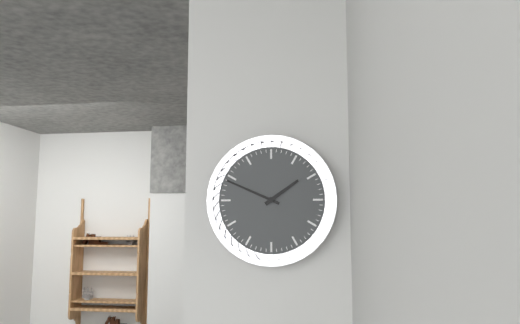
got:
1:49
